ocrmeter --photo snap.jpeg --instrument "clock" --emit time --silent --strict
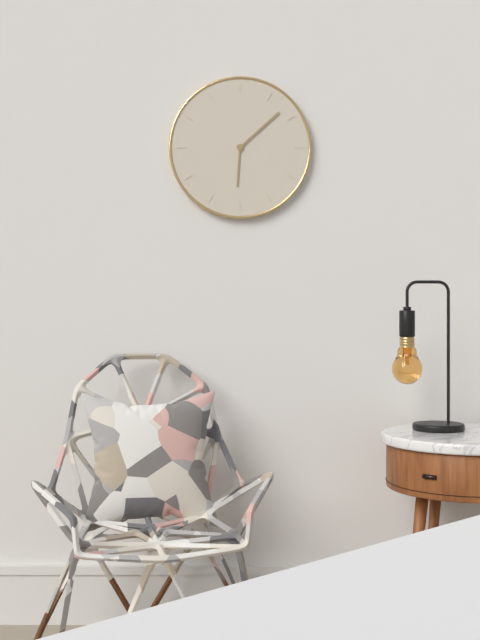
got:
6:08
